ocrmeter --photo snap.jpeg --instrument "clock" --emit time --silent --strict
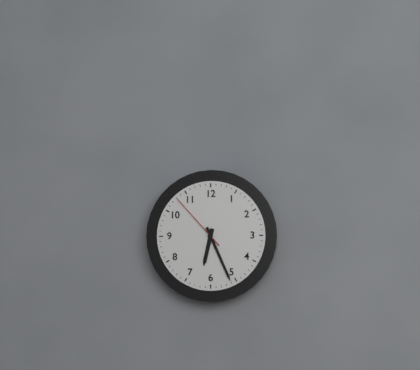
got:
6:26:53
